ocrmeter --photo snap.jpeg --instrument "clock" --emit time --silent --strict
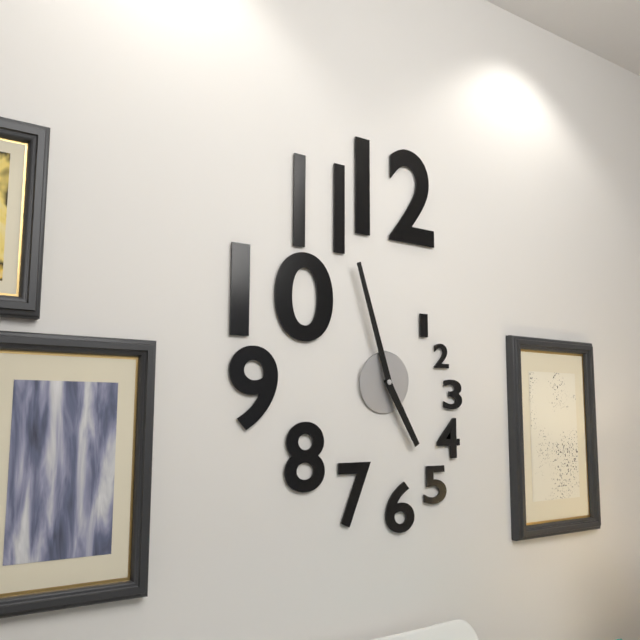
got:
4:57
